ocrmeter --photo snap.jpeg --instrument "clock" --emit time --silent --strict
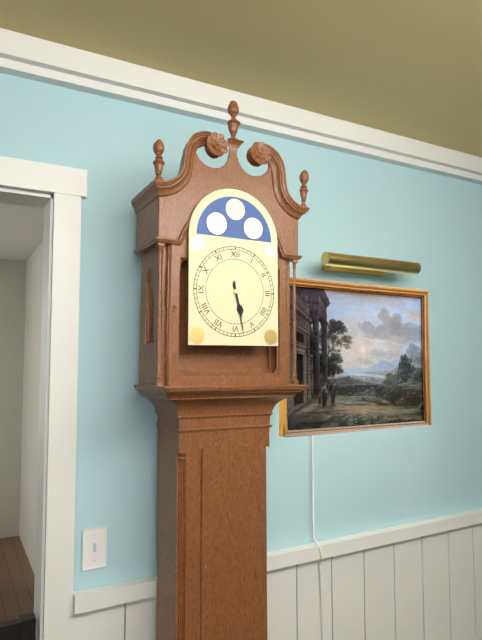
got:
5:28
